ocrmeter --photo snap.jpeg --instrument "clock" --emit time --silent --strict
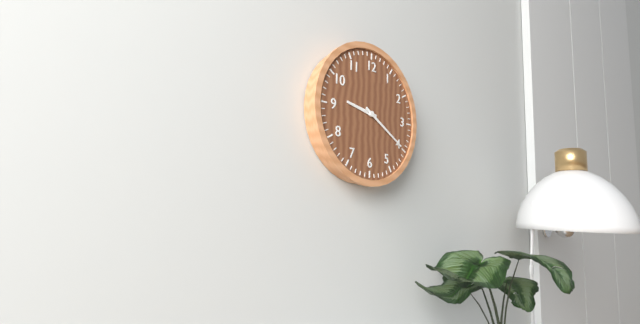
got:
9:20
